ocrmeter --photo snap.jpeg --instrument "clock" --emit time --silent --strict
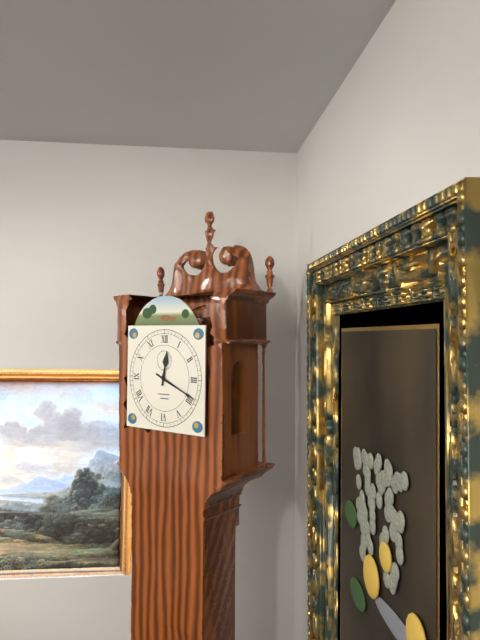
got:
12:19
